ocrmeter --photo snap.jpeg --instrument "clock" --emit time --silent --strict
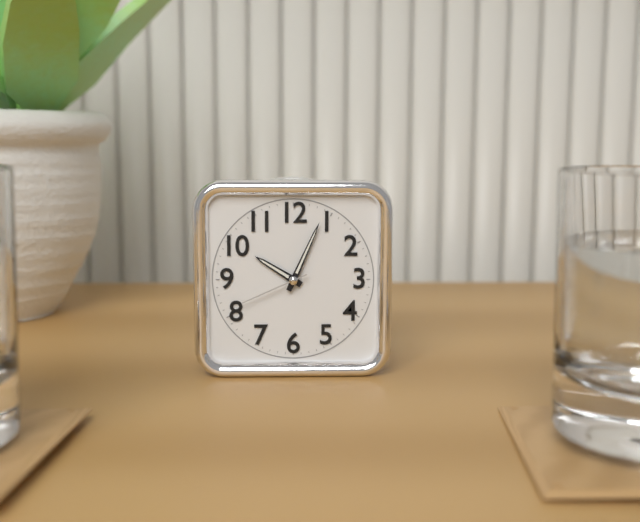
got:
10:04:41
